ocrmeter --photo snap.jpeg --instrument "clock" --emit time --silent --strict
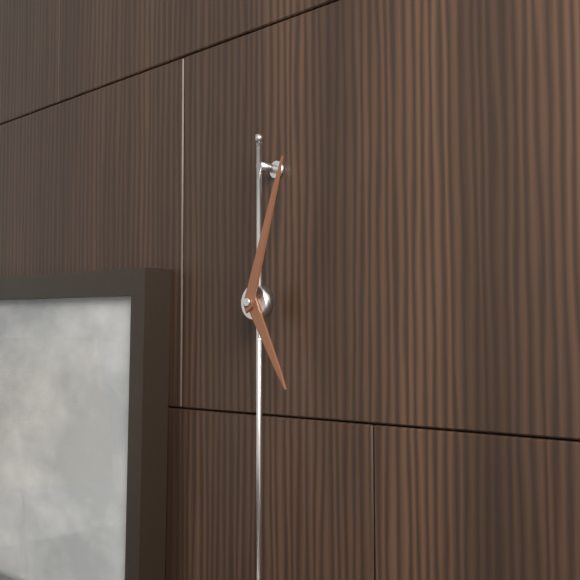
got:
5:03
